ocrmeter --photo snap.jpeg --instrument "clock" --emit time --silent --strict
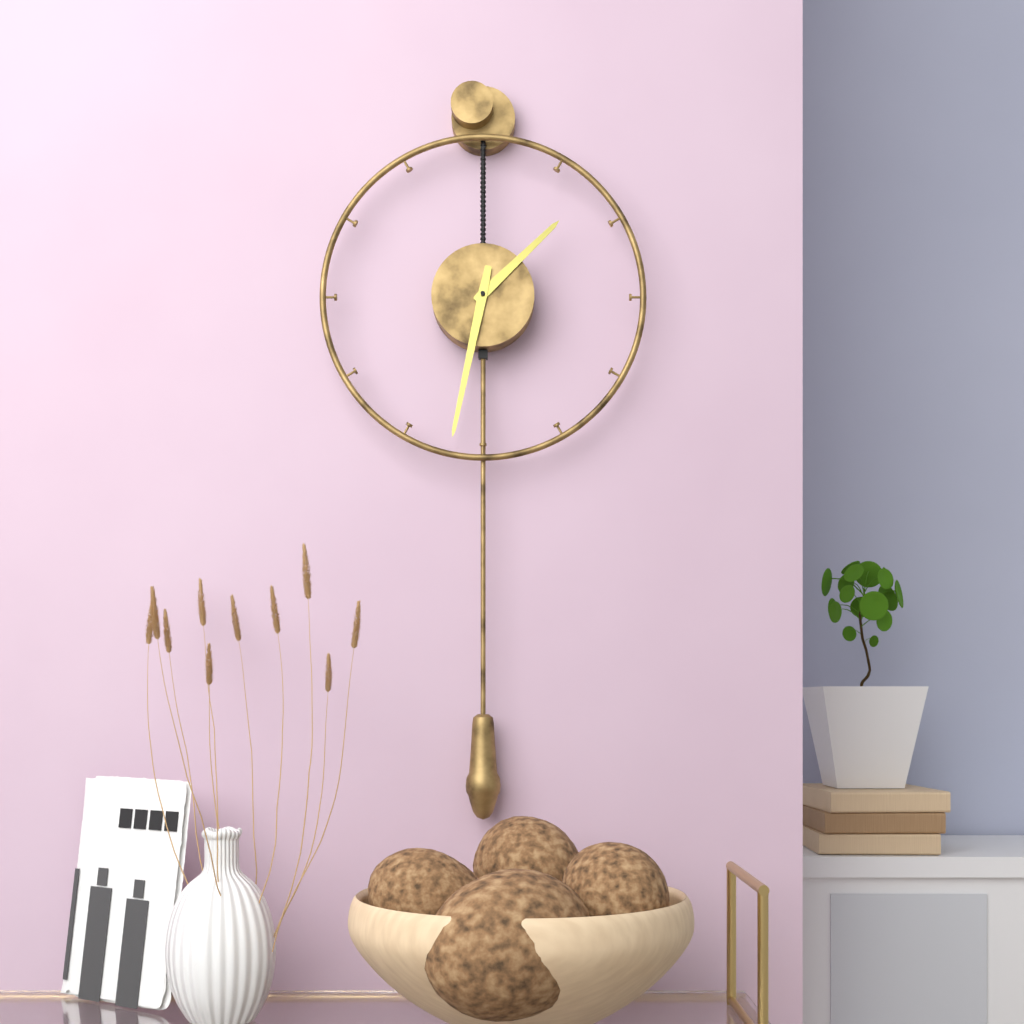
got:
1:32
